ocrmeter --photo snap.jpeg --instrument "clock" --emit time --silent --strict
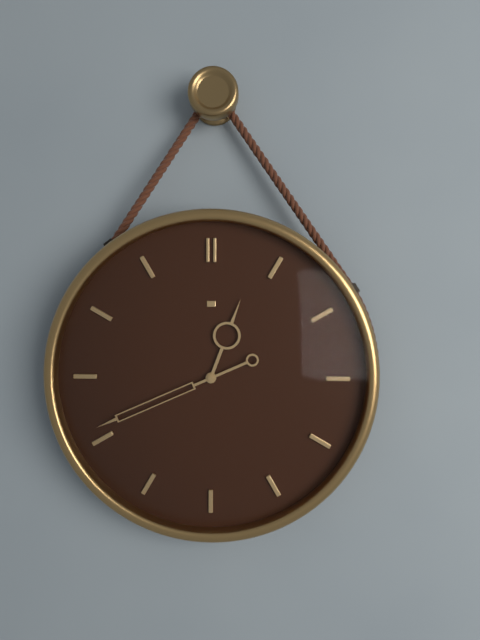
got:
12:41
